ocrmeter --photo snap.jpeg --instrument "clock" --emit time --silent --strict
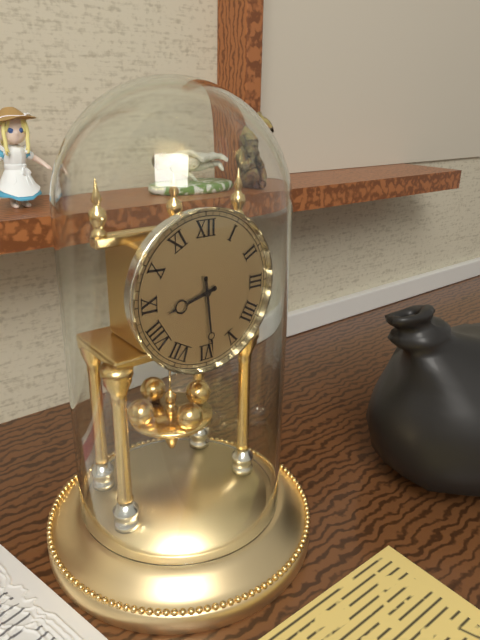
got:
8:29
